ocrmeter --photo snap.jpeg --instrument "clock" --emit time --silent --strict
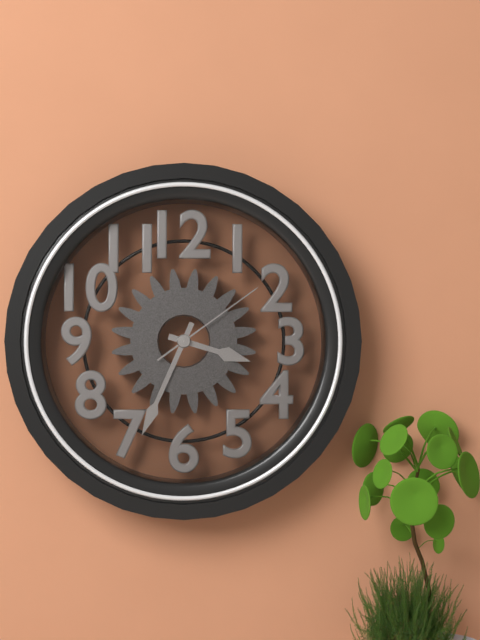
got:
3:34:09
